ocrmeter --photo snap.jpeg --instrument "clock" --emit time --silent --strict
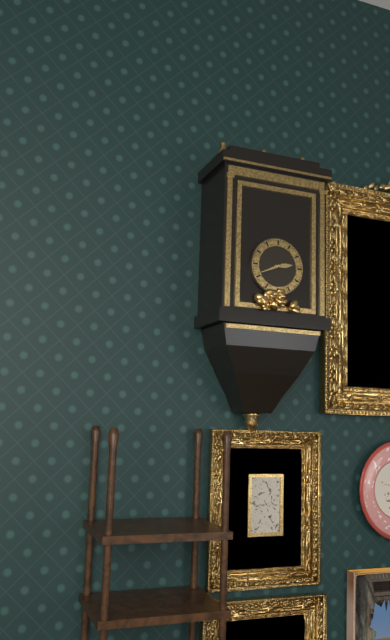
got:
2:41
